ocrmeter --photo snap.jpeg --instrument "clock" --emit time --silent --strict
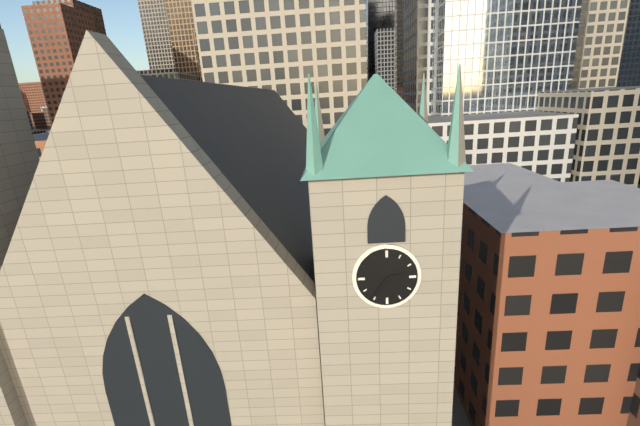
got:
2:36
